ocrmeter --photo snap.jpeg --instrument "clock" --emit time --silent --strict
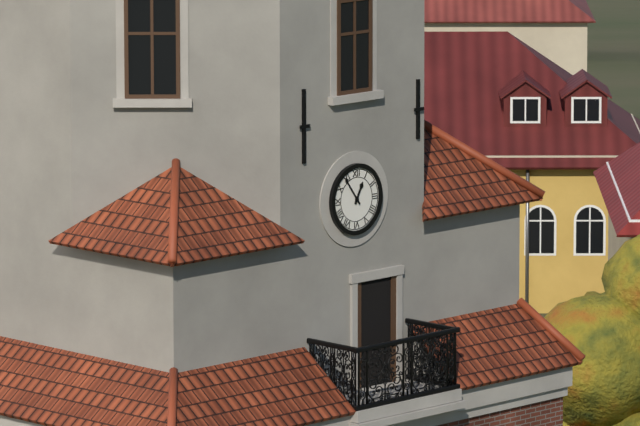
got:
12:54
